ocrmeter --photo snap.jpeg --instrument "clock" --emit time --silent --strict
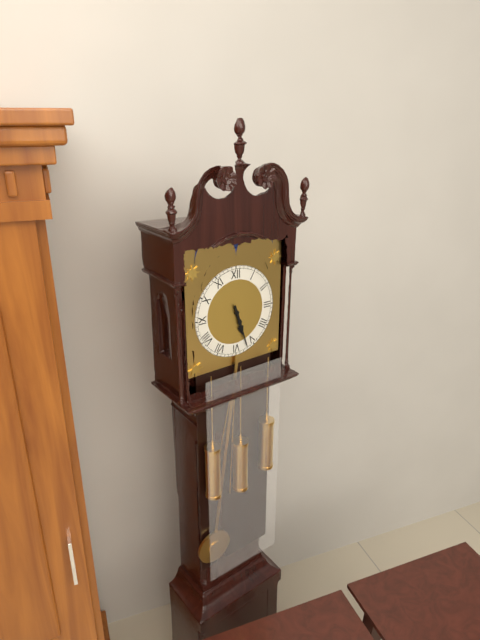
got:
5:27
